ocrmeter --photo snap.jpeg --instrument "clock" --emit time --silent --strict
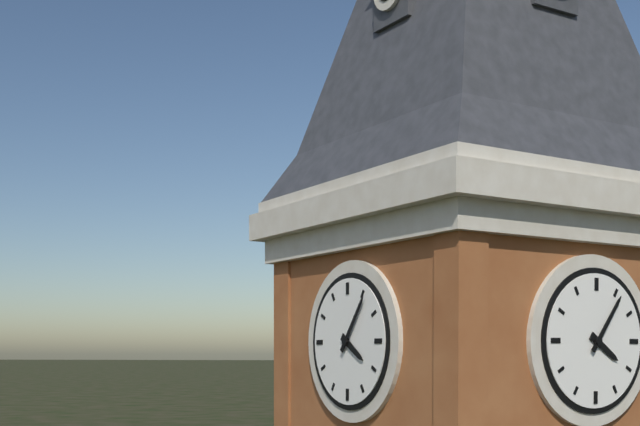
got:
4:06
